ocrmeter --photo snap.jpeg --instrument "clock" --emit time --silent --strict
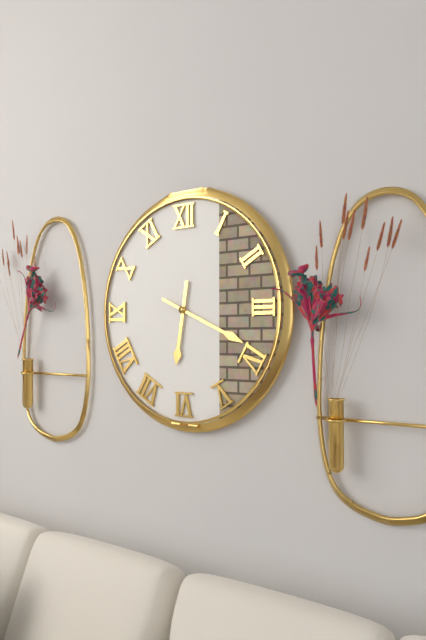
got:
6:19
